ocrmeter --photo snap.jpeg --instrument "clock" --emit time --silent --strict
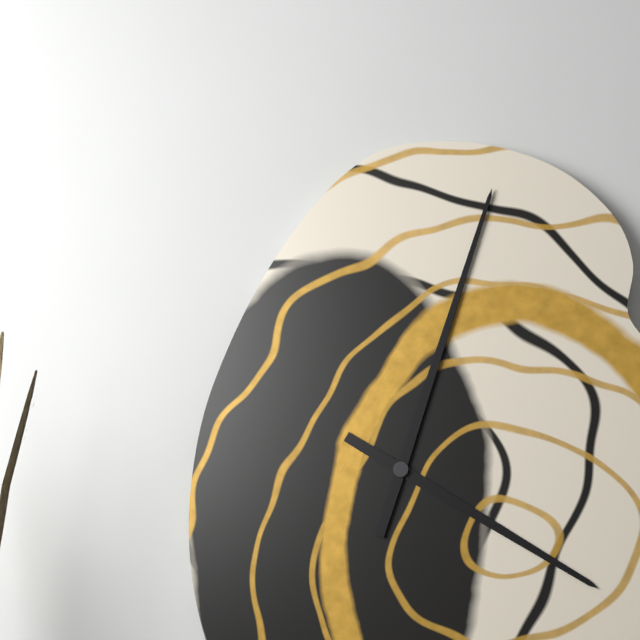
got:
4:03
